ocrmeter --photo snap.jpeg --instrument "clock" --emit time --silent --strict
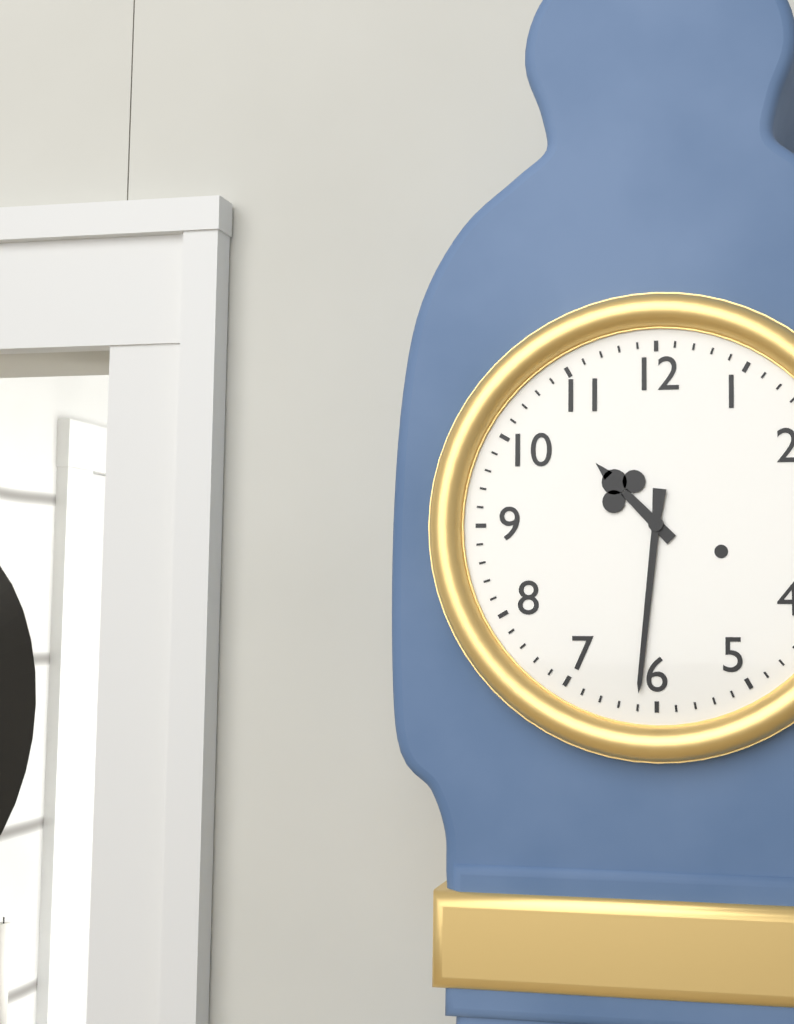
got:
10:31
